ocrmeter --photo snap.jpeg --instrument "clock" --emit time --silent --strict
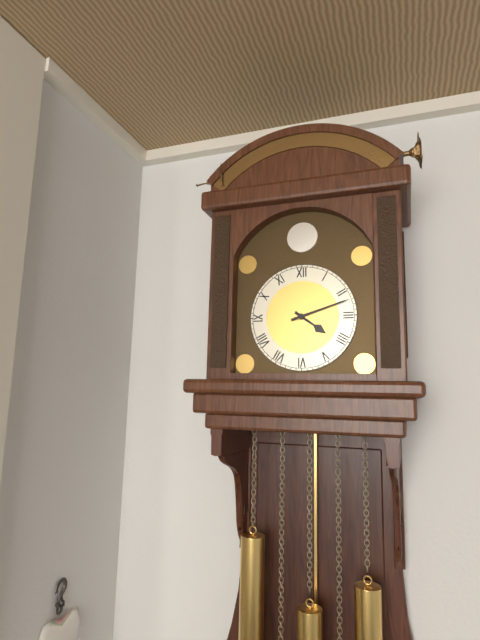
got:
4:12
